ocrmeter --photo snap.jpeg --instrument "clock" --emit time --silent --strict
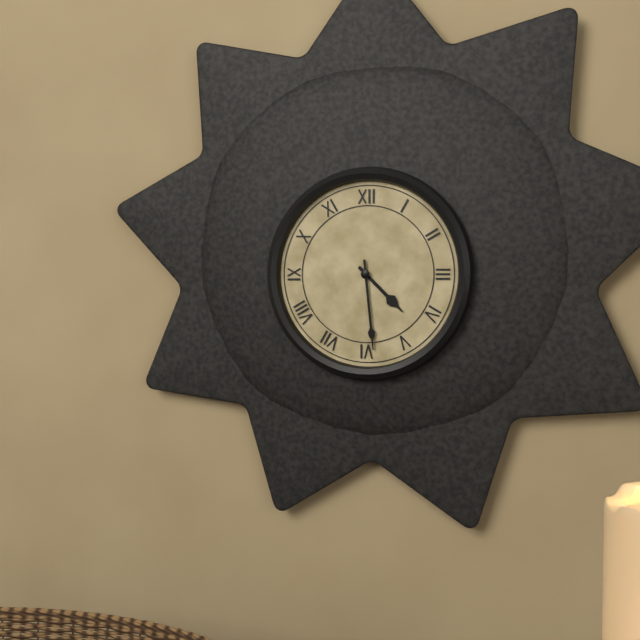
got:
4:29
